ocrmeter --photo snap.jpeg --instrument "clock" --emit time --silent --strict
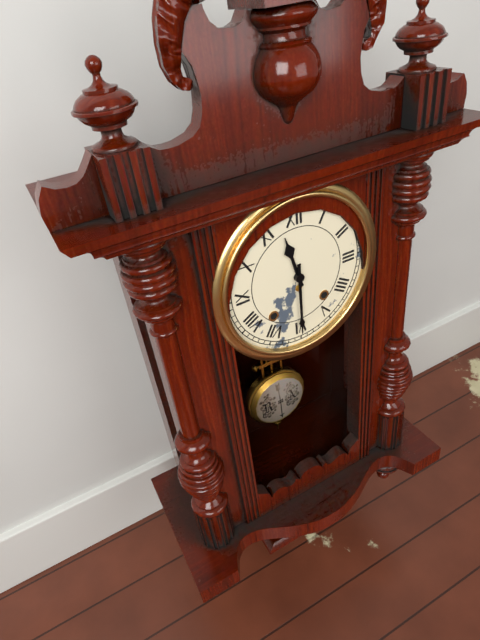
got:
11:30
